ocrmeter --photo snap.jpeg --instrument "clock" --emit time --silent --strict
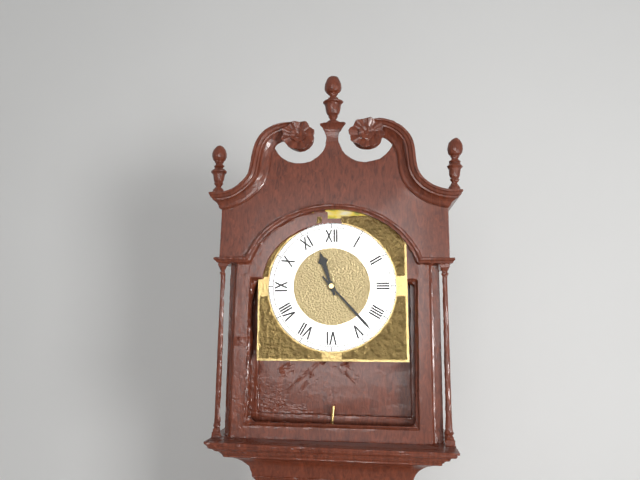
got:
11:23
